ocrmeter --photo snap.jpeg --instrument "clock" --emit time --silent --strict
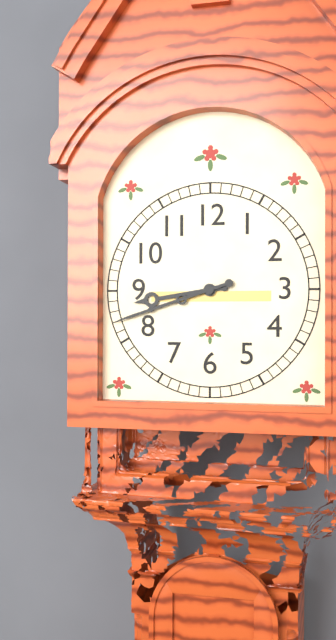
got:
8:42
